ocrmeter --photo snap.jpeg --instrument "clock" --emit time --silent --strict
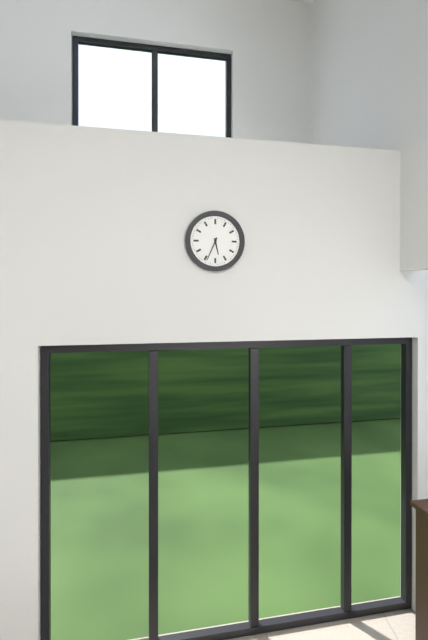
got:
5:34
